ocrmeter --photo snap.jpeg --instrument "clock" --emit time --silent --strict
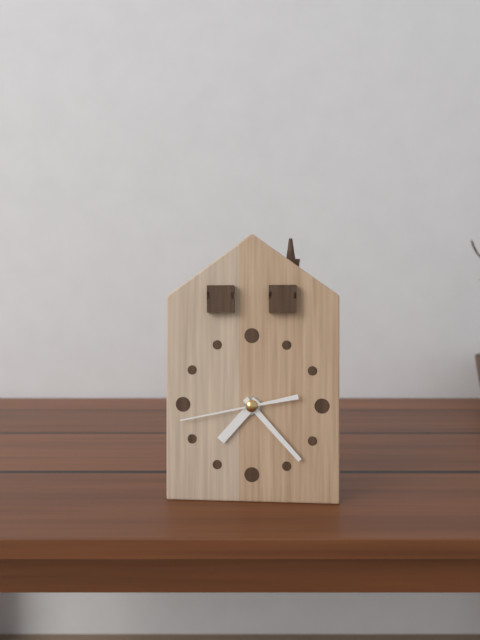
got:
7:23:43
